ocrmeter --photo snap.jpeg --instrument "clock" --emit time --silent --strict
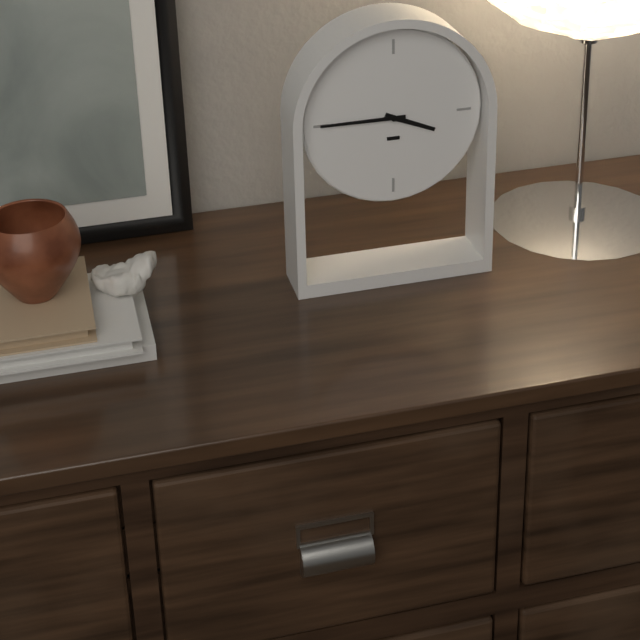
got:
3:45
